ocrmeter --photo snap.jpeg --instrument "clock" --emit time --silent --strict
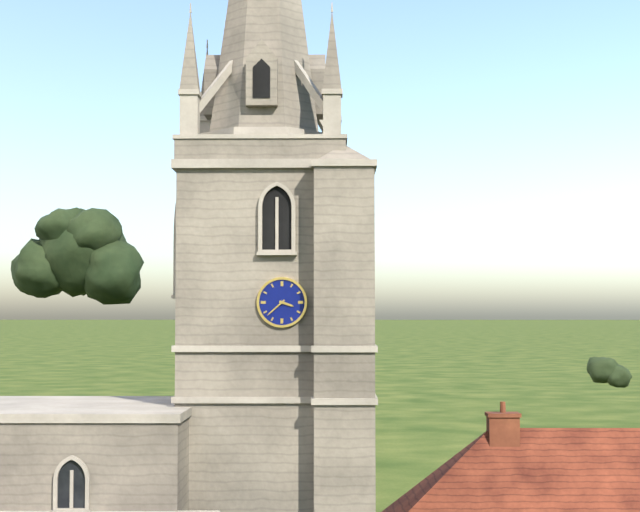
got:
3:38
